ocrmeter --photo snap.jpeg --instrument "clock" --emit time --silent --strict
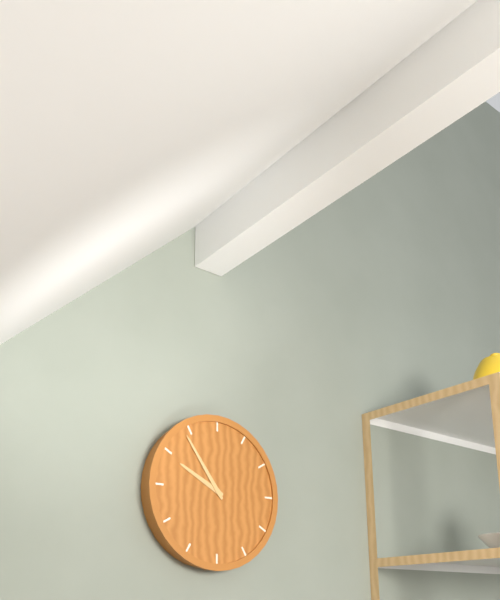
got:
9:54
